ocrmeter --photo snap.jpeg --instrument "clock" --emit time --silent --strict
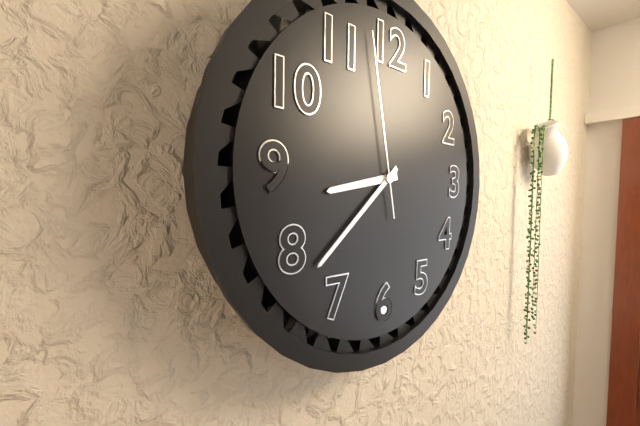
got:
8:38:58
